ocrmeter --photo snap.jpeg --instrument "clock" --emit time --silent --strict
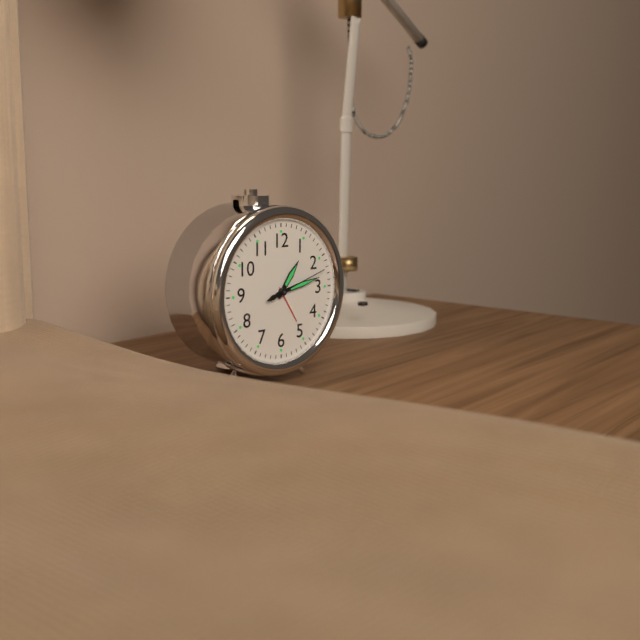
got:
1:13:12
